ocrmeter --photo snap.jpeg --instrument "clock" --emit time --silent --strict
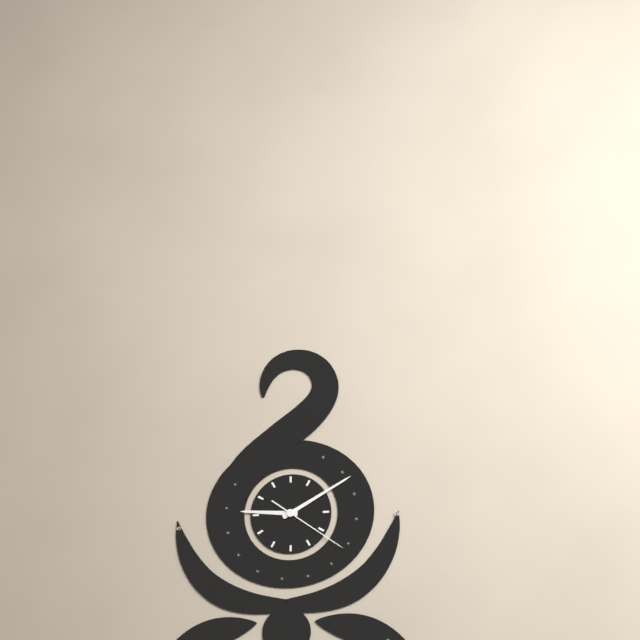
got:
9:10:21
